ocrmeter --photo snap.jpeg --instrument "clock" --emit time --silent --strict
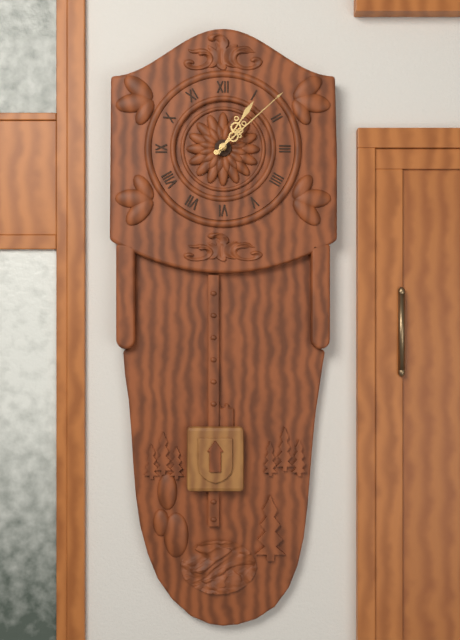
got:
1:08
